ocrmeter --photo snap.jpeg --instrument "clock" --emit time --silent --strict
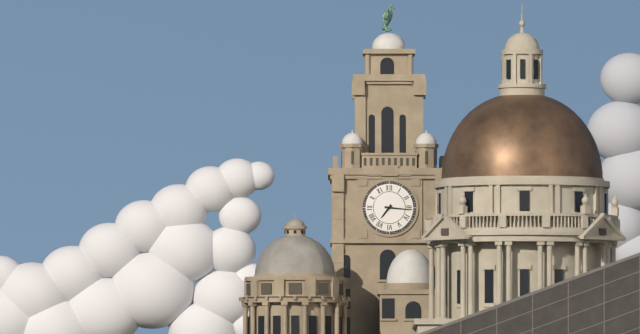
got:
7:16
